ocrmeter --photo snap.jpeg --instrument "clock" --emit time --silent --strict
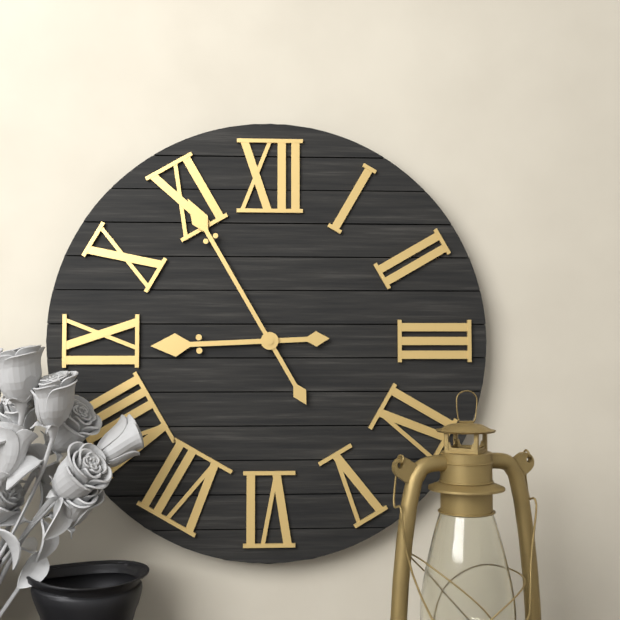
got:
8:55
